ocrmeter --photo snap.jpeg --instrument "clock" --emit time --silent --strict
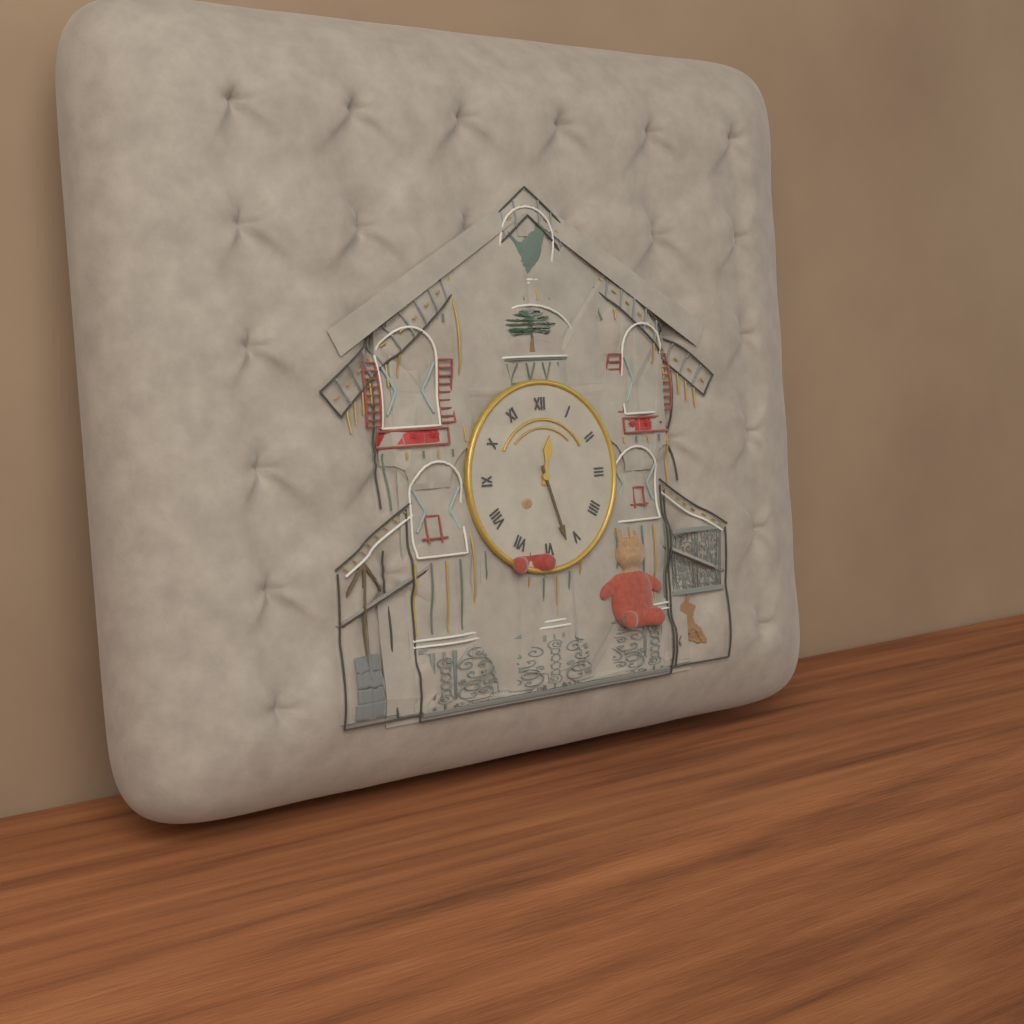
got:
12:27
